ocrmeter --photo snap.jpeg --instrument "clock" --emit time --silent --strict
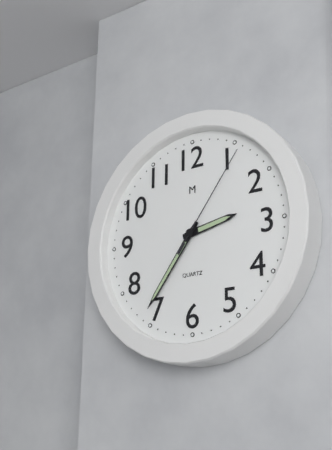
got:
2:36:06
